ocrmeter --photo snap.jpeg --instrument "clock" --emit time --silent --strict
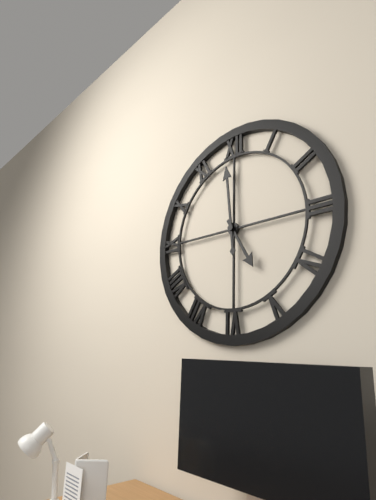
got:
4:59
